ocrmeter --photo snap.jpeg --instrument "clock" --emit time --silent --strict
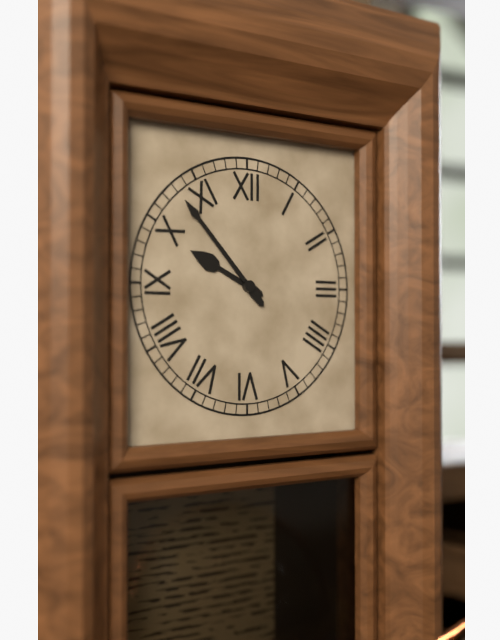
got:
9:53
